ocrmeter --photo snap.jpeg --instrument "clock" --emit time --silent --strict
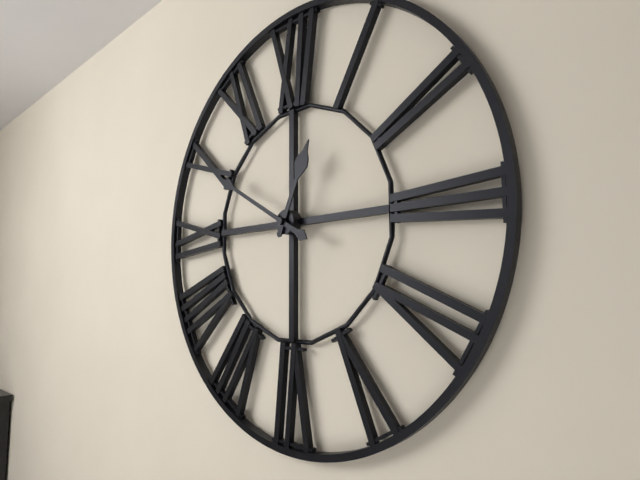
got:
12:50
